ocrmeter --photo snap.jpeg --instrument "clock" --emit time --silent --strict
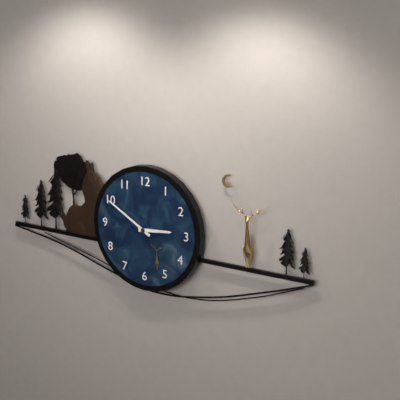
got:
2:50
